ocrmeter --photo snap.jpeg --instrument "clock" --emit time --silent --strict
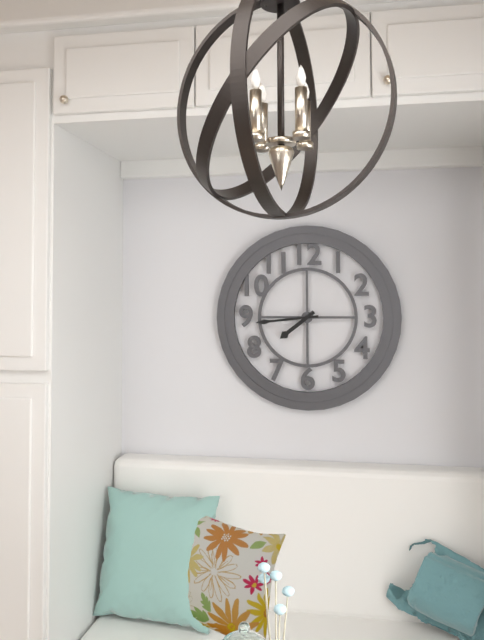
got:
7:44
